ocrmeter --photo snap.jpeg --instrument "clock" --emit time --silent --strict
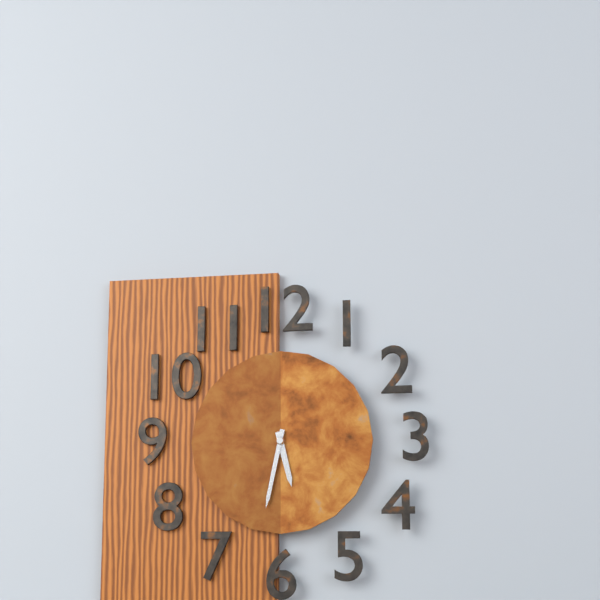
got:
5:32
